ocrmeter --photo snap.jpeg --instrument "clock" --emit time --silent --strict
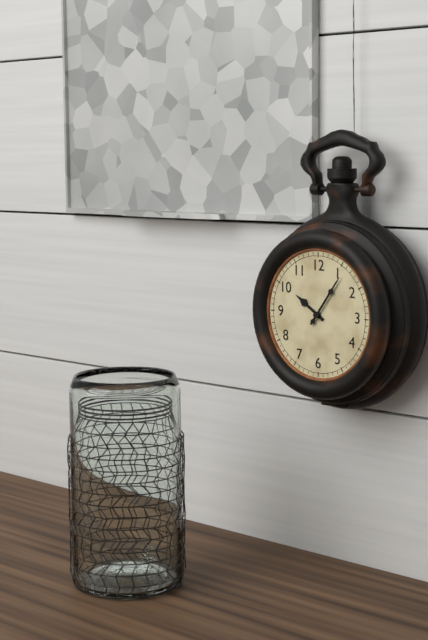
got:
10:06
